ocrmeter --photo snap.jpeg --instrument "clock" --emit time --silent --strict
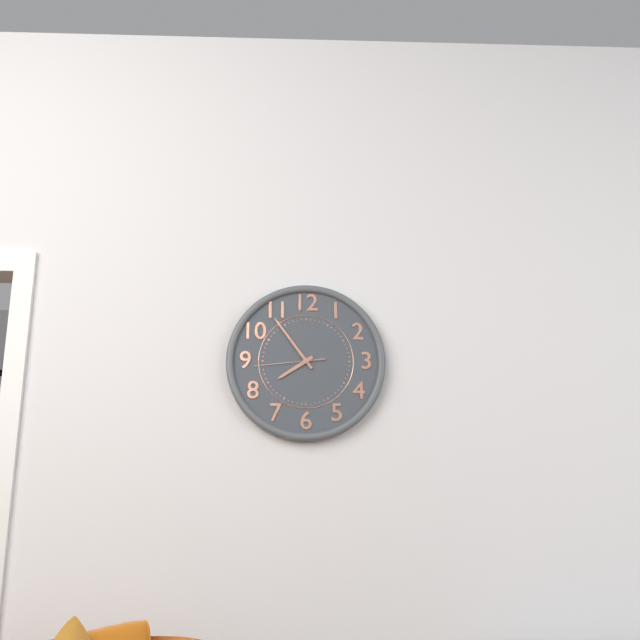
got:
7:54:44
